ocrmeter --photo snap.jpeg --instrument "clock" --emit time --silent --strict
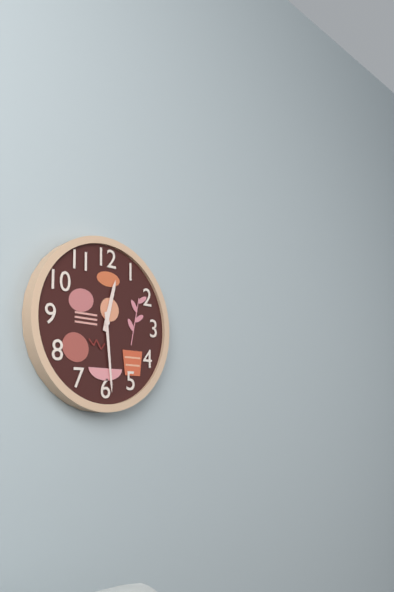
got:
12:29
